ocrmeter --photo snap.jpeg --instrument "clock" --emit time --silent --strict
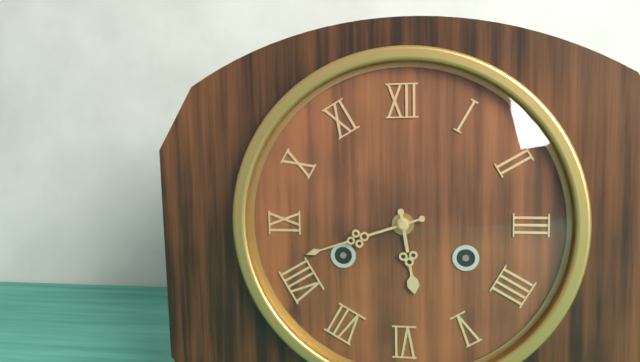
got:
5:42
